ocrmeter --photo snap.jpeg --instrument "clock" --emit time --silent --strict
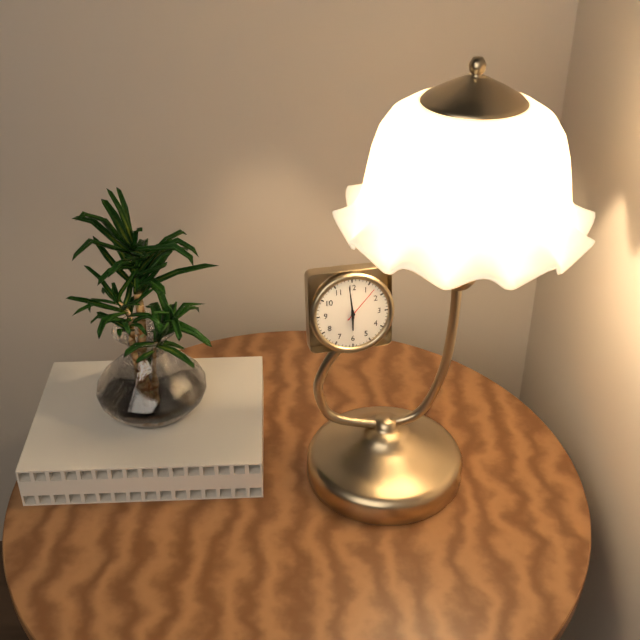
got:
5:59
